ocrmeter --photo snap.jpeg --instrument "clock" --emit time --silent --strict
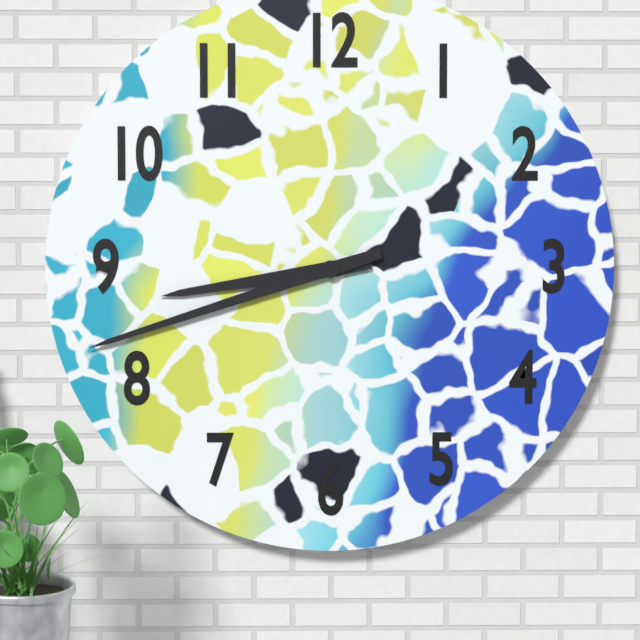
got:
8:42
